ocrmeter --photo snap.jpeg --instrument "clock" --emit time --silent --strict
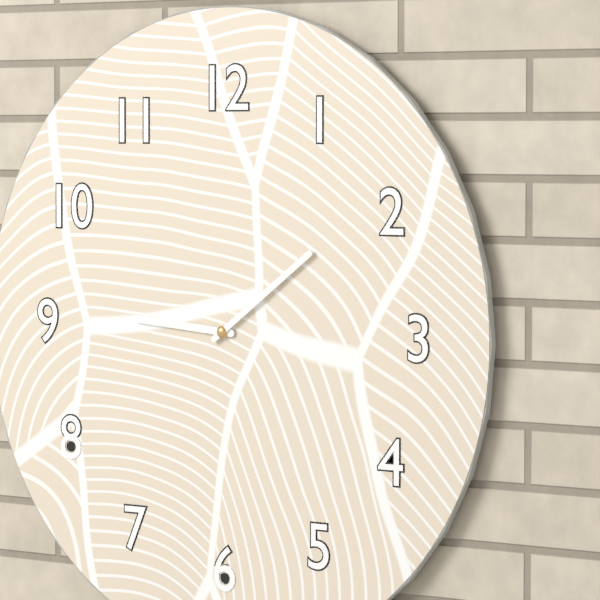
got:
9:09
